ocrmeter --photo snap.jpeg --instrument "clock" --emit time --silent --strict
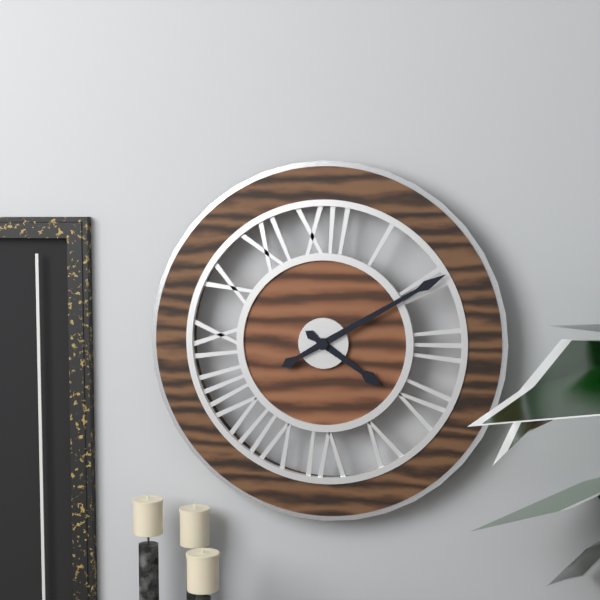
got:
4:10
